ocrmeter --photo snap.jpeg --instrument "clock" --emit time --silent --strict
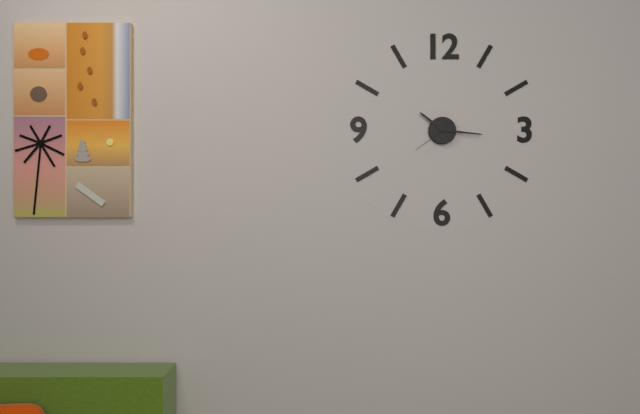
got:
10:16
